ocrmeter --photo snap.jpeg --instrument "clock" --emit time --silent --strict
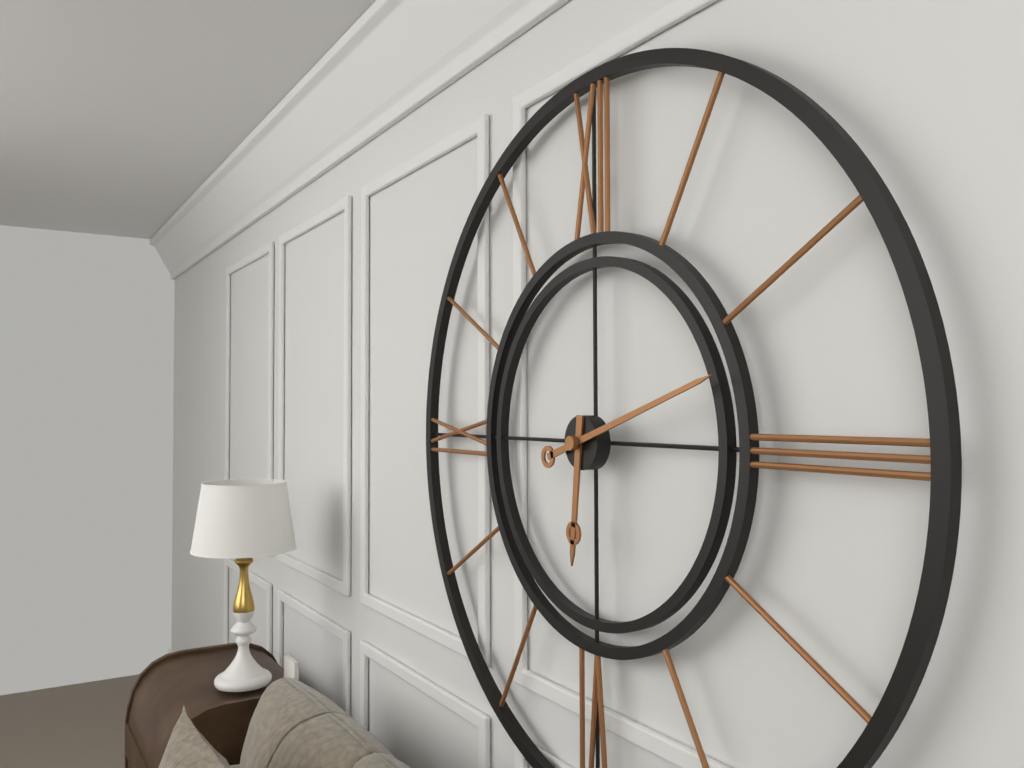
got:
6:12
